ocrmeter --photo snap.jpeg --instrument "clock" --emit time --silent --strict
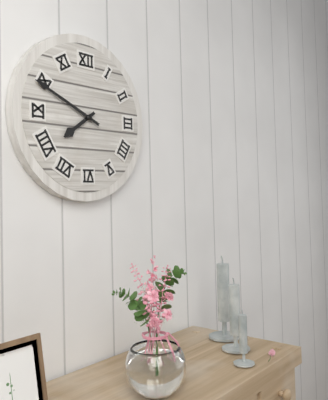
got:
7:49
